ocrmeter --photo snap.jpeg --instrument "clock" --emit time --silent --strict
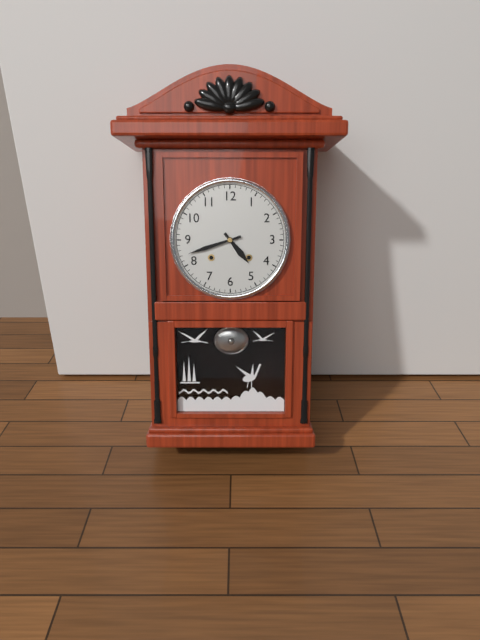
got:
4:42
